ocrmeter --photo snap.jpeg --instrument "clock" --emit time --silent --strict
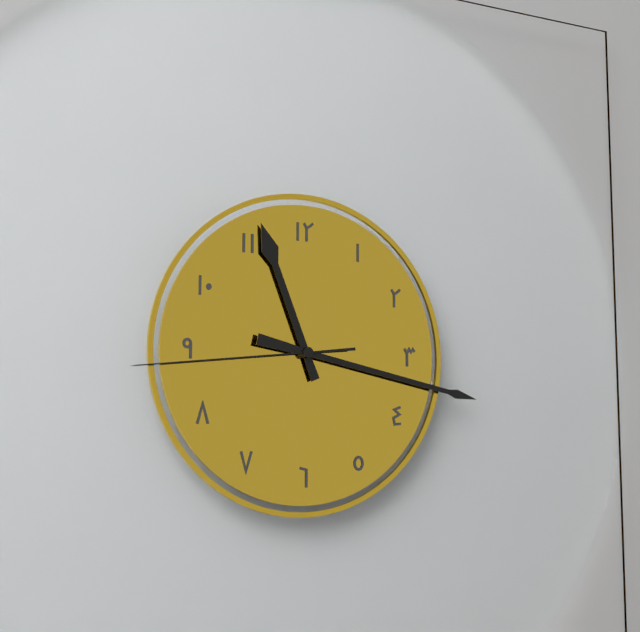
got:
11:17:44
